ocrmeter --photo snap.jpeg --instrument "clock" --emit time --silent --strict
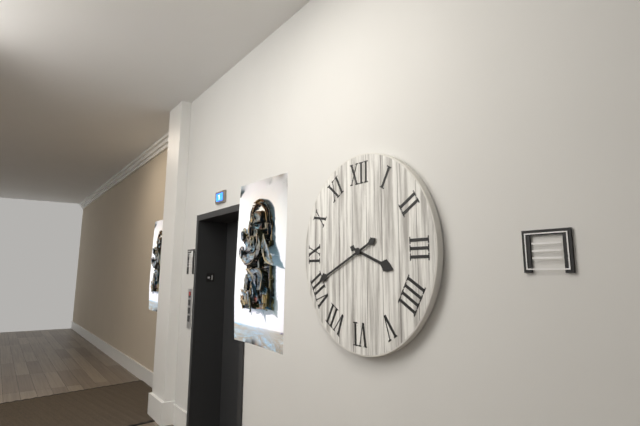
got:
3:41
